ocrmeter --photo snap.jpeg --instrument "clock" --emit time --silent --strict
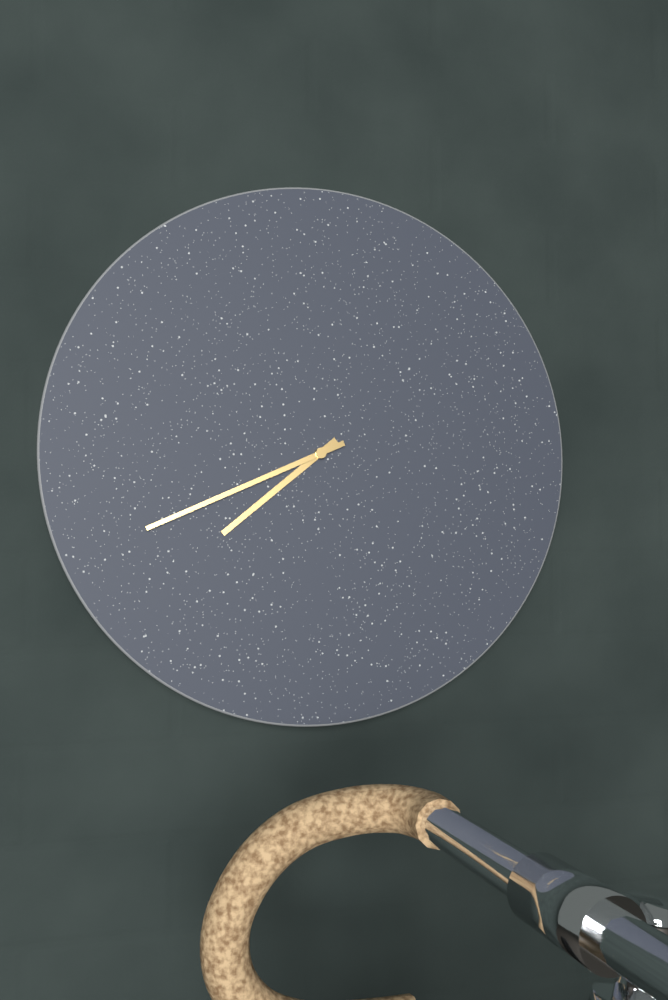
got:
7:41
